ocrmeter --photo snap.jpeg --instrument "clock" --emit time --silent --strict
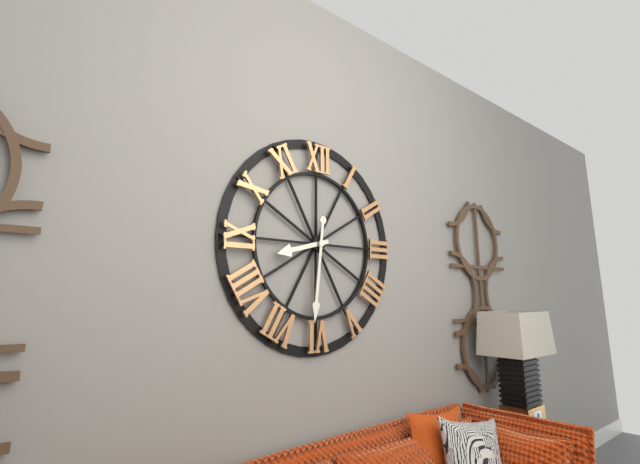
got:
8:31
